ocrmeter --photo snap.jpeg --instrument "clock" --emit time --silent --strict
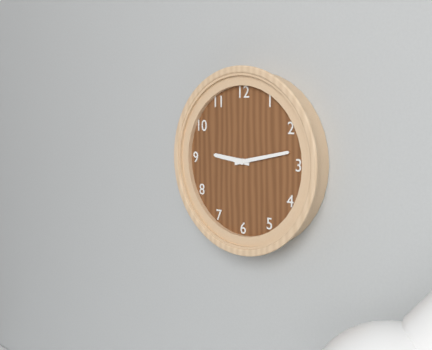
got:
9:13
